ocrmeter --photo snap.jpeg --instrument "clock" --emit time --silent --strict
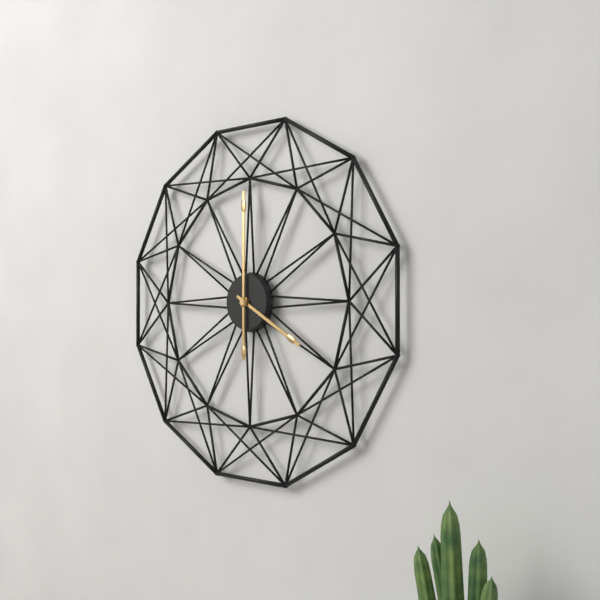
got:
4:00
